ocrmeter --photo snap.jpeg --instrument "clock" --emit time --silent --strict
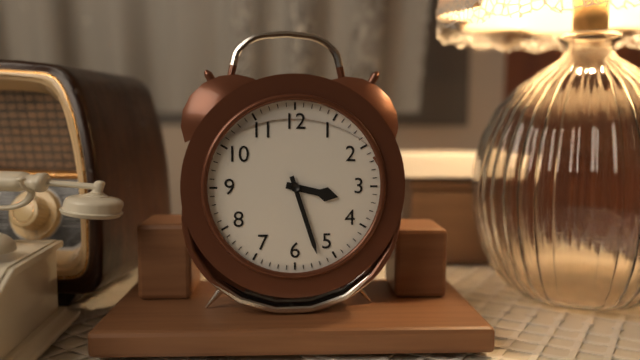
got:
3:27
